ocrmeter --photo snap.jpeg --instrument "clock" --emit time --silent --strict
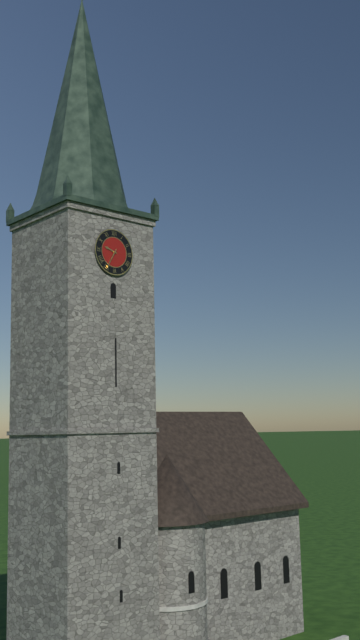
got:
9:35
